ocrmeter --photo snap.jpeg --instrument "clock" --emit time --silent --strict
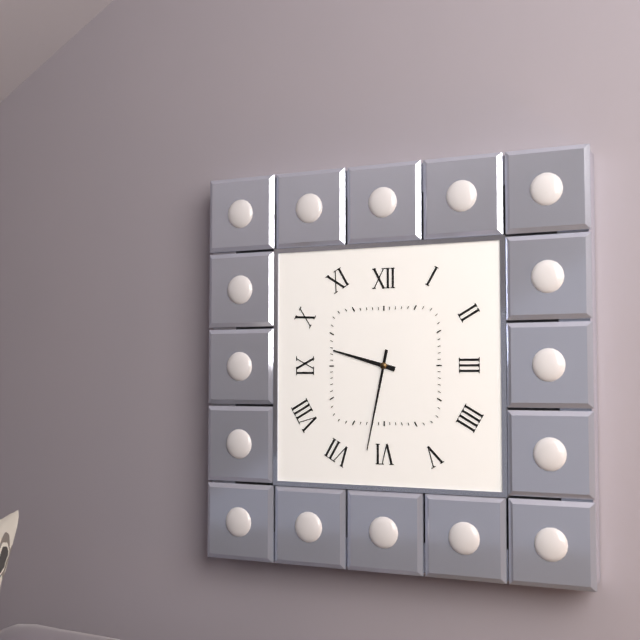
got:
9:32
